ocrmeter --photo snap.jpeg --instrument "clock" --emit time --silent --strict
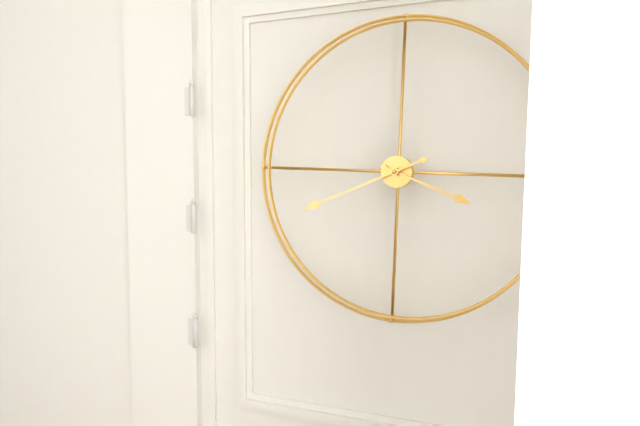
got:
3:41
